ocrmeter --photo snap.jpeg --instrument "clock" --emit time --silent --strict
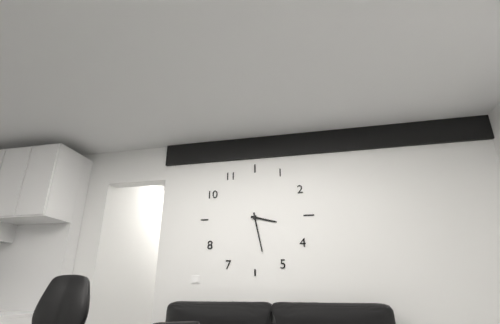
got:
3:28
